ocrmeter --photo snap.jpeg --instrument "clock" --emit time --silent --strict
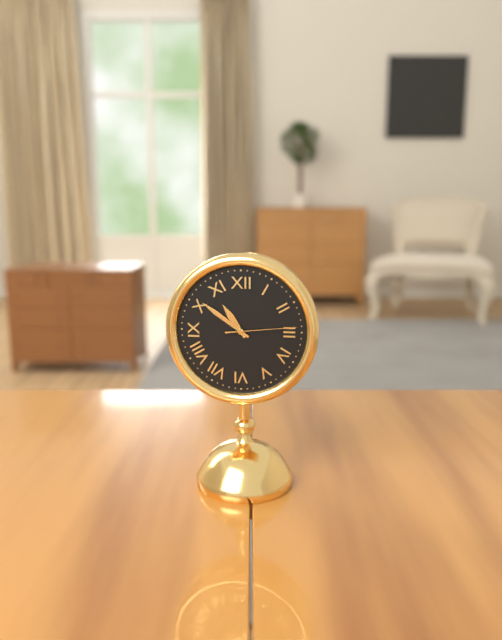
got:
10:51:14
